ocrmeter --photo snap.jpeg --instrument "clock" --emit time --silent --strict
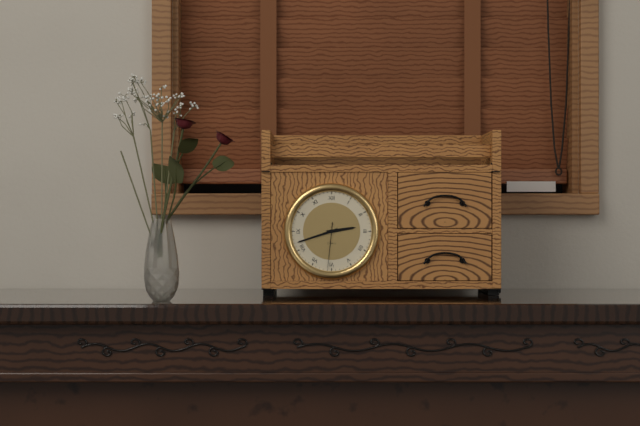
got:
2:42
